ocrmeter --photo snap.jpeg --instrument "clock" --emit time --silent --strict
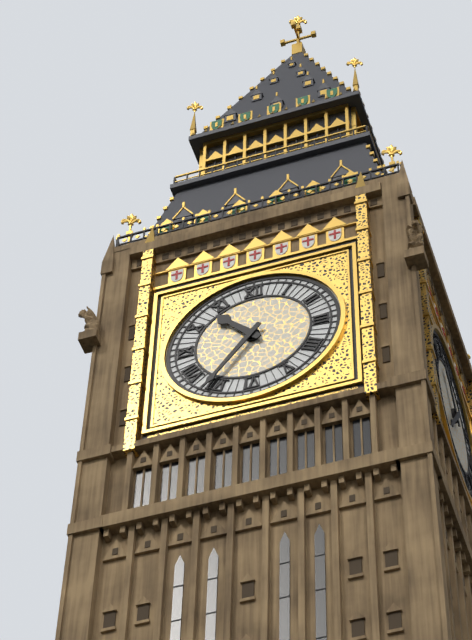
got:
10:36
